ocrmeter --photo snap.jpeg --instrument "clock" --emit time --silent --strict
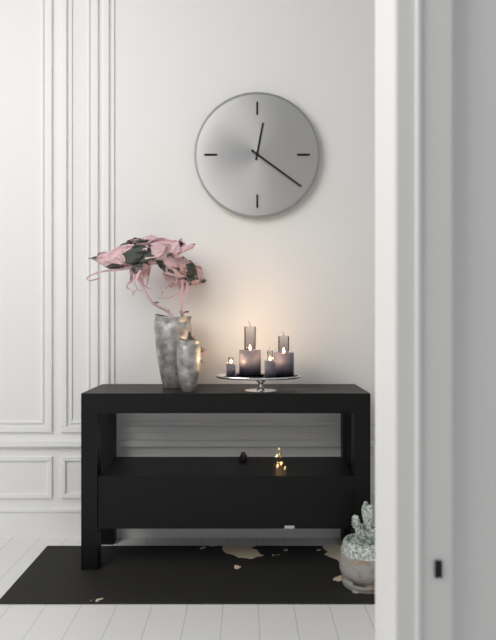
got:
12:21
